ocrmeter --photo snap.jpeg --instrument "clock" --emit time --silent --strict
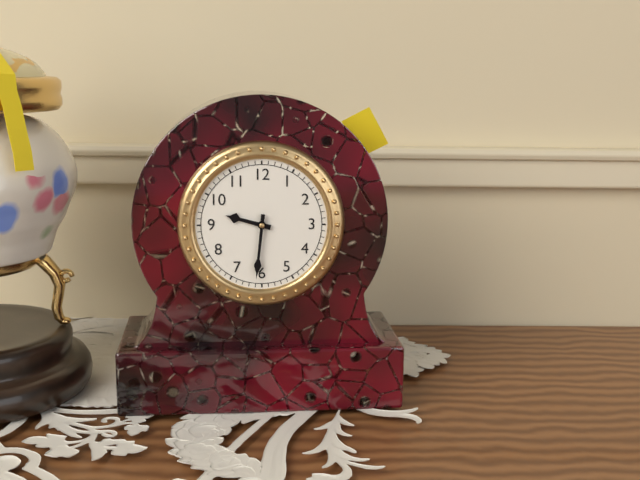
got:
9:31
